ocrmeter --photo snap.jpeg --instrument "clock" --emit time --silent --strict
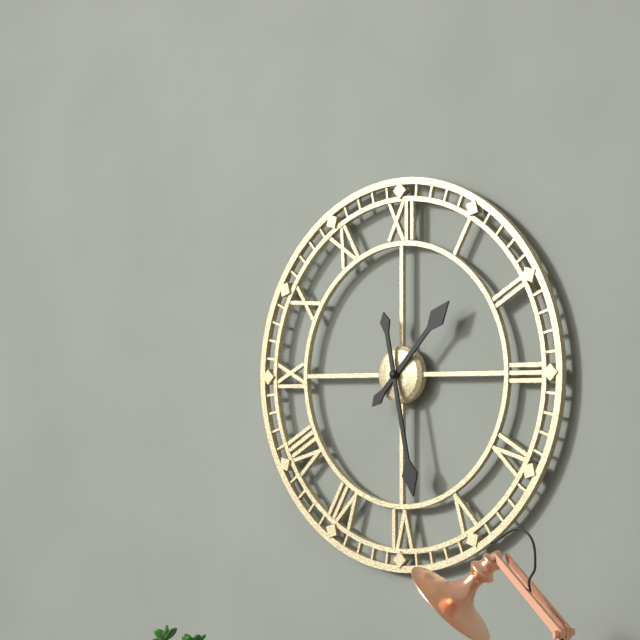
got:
1:28
